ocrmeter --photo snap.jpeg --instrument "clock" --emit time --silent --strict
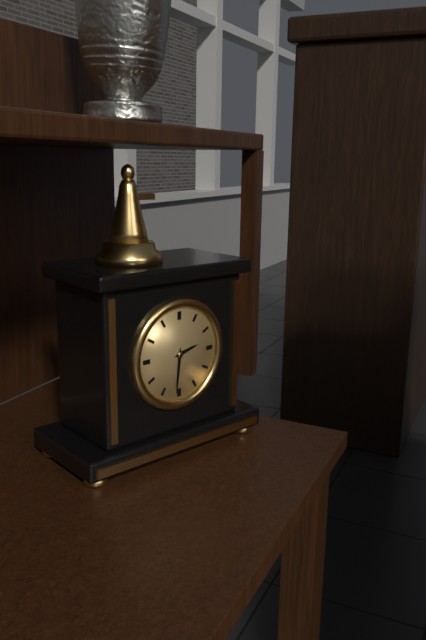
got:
2:31
